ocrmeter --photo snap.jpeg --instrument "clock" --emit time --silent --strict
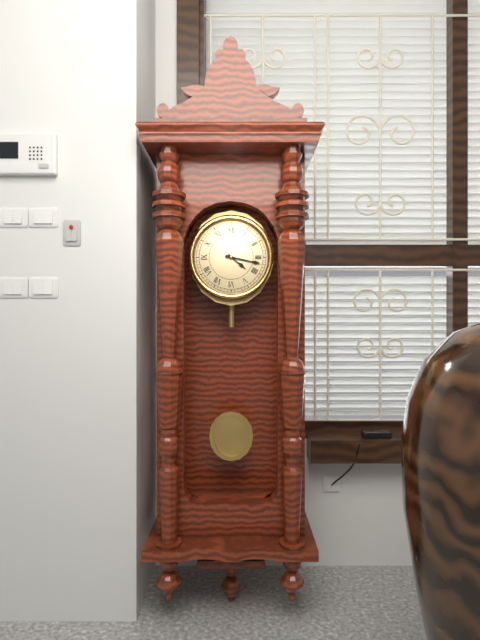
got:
4:17
